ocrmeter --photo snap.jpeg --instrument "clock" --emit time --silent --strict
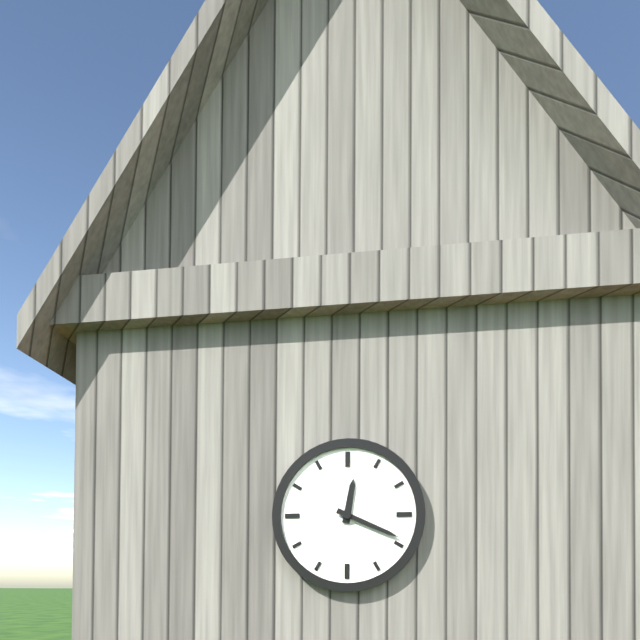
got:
12:19
